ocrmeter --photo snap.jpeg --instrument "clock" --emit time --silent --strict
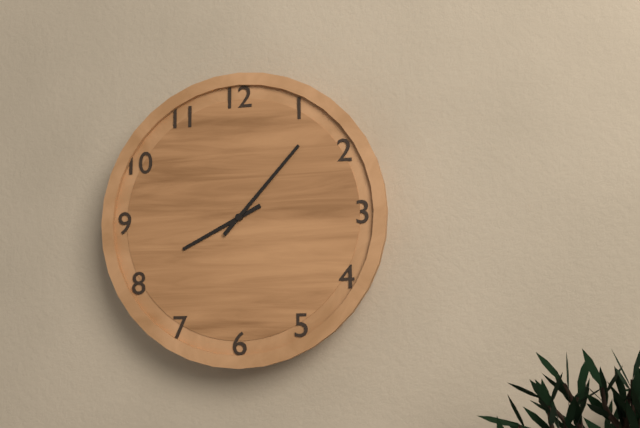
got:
8:07
